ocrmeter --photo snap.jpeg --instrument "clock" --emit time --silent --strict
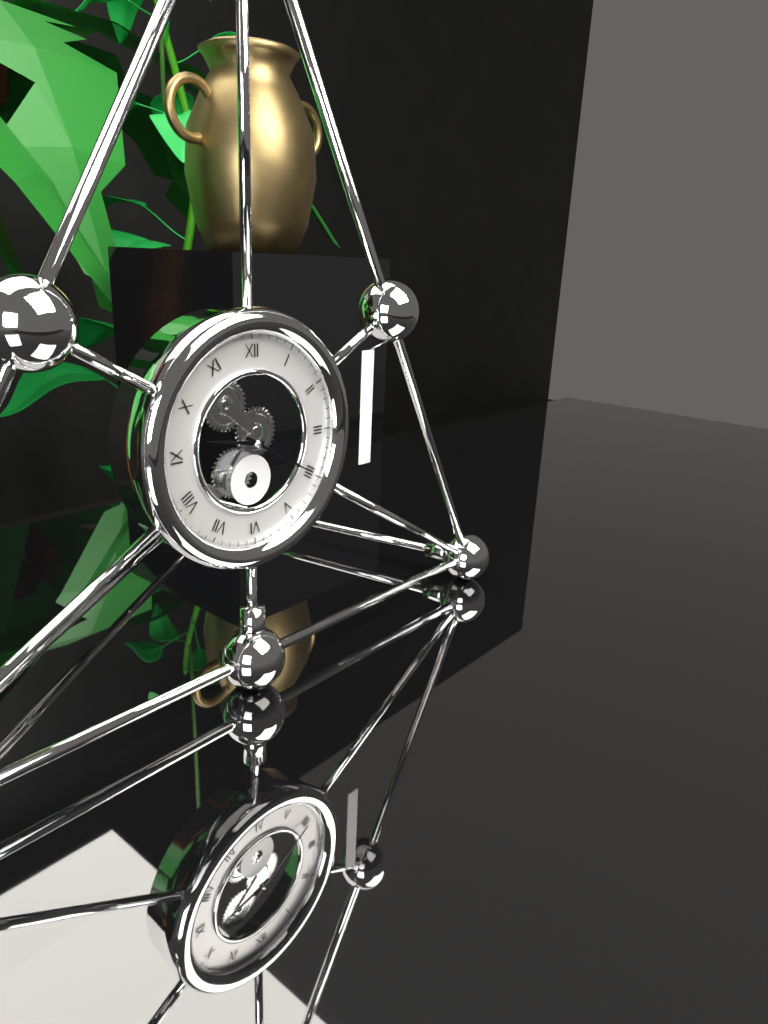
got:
9:20
